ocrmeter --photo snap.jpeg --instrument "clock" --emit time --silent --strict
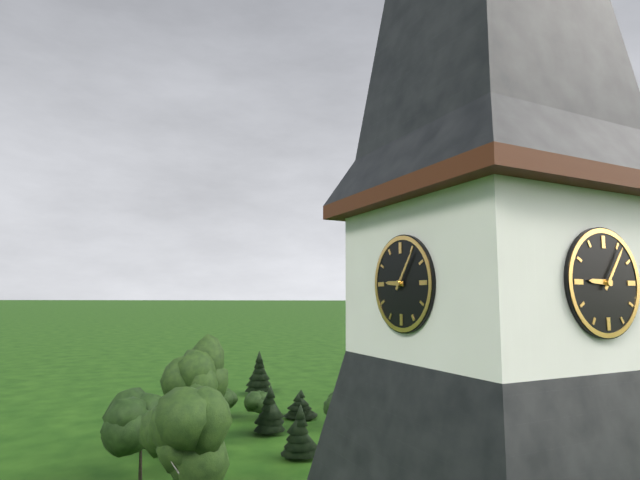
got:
9:06
